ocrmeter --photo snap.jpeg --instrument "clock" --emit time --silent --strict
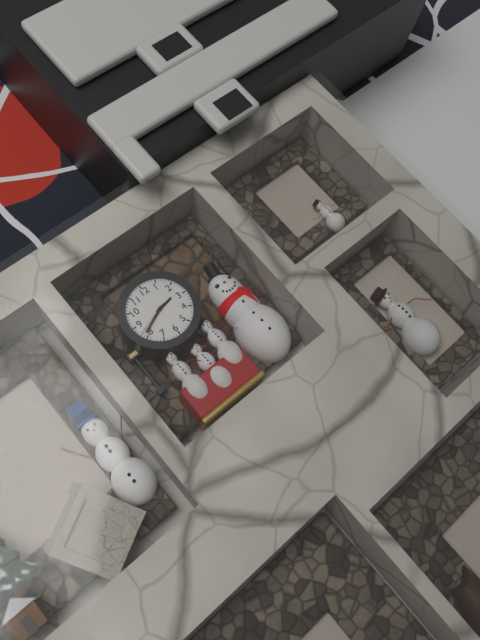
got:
2:41
